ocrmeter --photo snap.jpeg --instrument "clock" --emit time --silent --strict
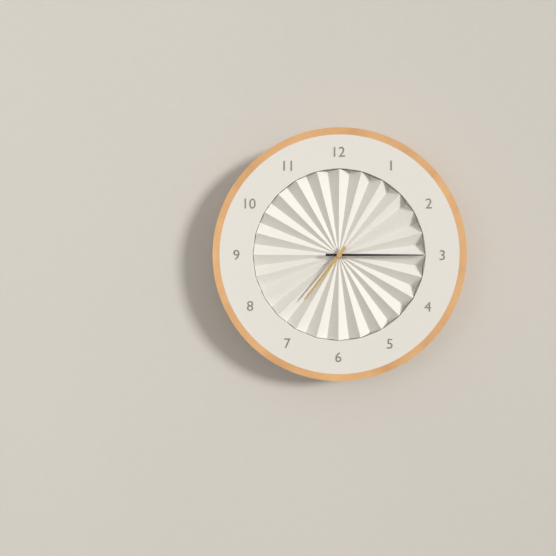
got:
7:15
